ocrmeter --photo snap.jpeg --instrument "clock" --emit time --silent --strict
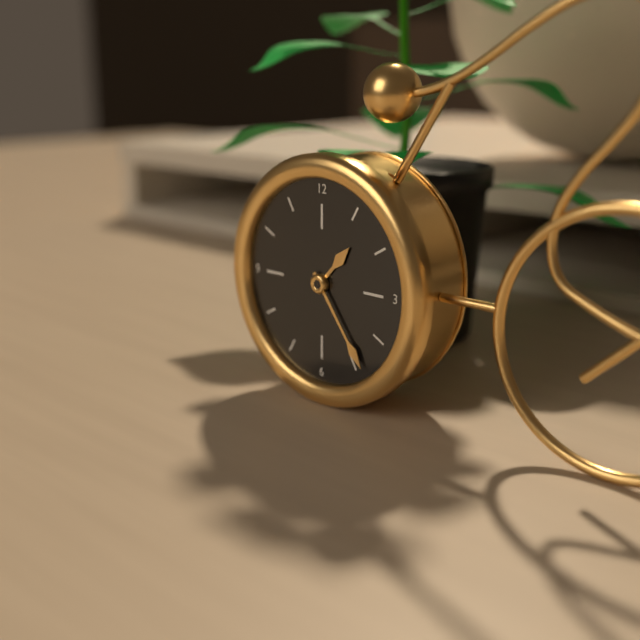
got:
1:24
